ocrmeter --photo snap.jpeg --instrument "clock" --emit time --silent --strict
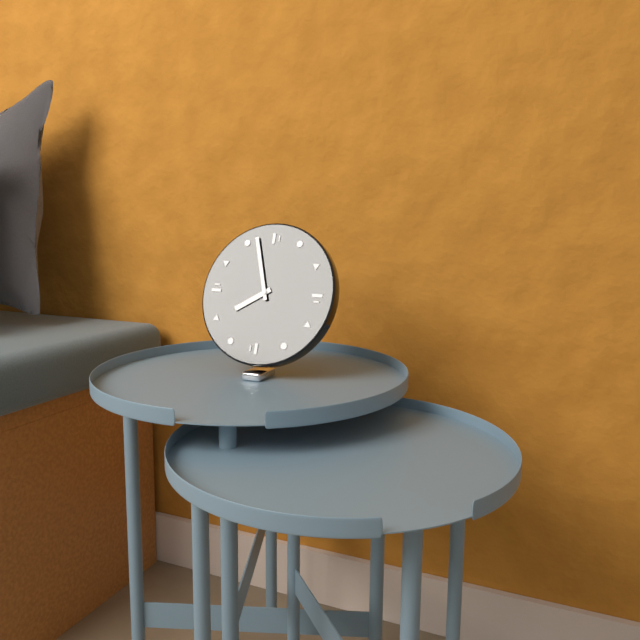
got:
7:57
